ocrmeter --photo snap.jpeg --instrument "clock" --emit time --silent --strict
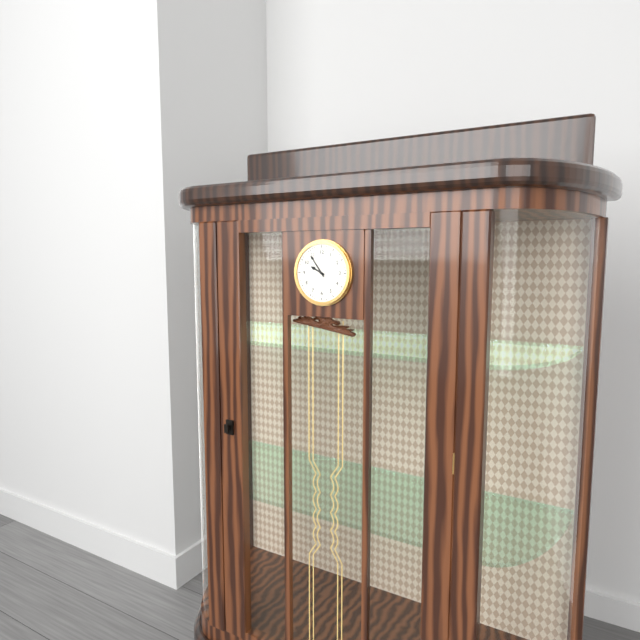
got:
9:54
